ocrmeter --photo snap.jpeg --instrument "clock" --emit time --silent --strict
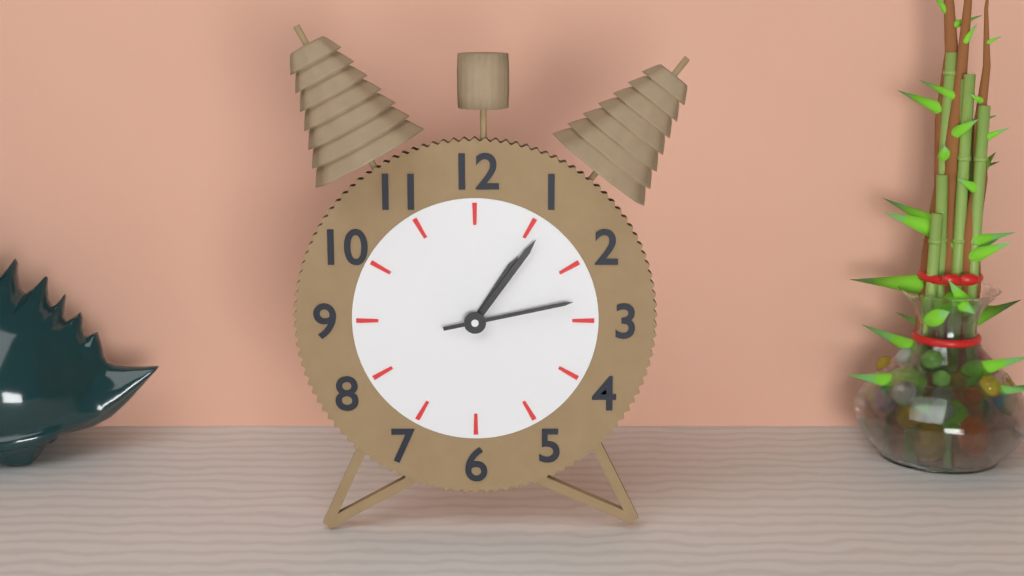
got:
1:06:13
